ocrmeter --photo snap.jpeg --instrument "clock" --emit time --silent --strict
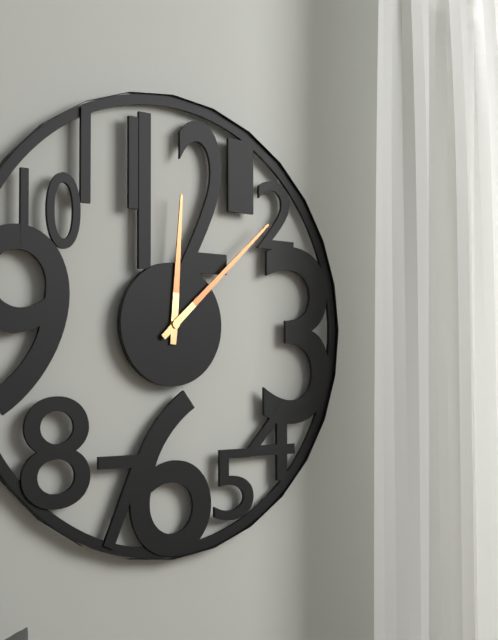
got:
12:08
